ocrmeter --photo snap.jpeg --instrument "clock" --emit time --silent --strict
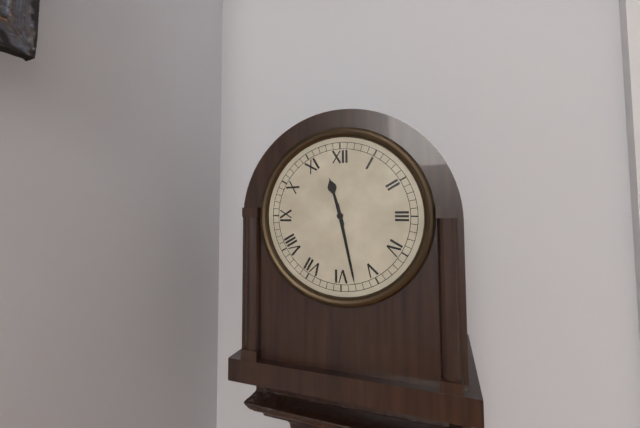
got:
11:28
